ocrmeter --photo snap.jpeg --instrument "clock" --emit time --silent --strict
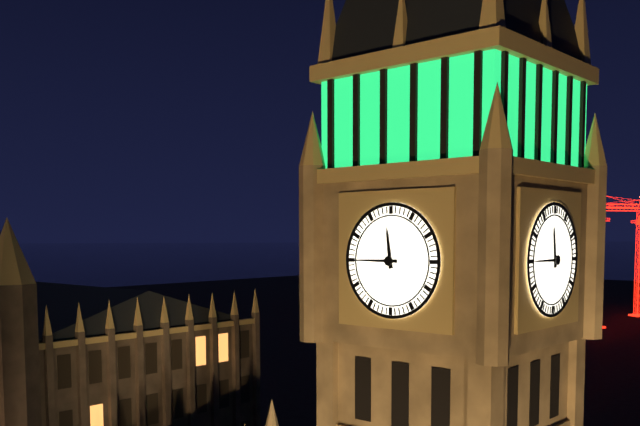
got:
11:45
